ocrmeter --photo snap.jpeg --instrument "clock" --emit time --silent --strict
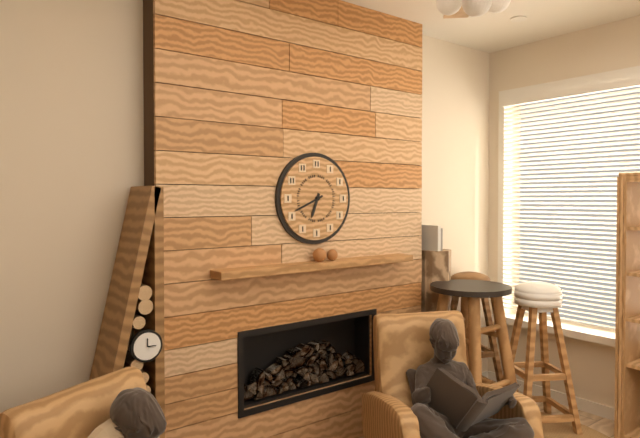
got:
6:41
